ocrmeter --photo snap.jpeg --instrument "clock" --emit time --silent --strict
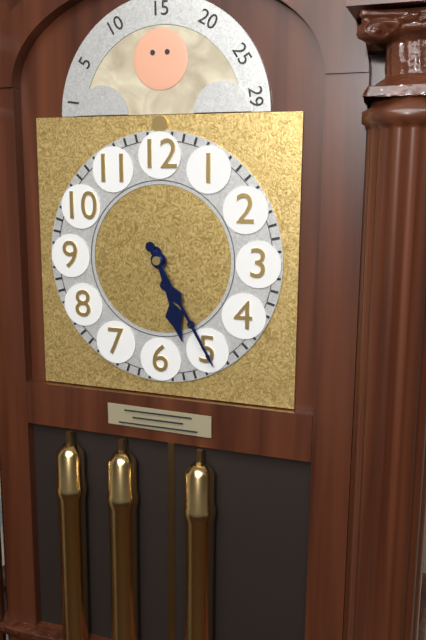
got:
5:25
